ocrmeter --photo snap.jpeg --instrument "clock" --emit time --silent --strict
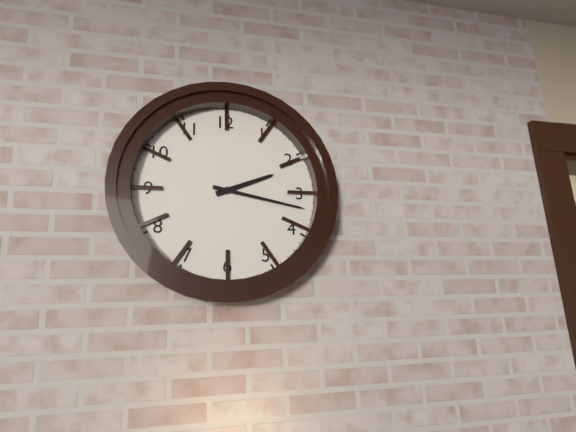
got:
2:17
